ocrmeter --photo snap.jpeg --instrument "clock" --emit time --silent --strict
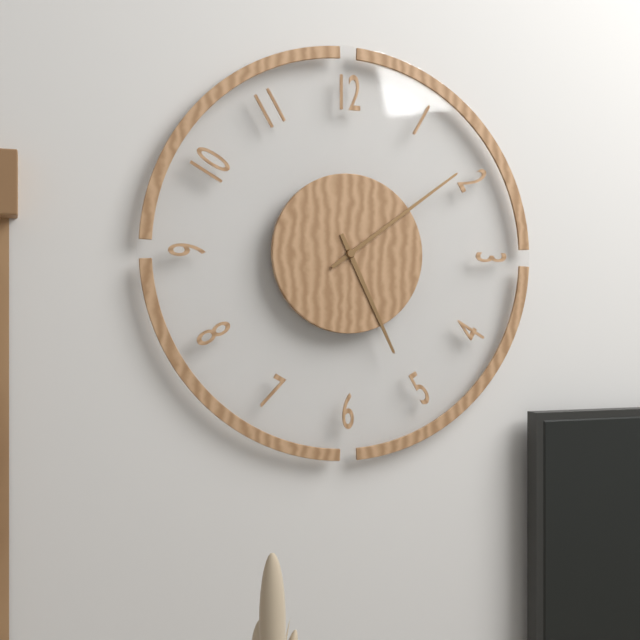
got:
5:09
